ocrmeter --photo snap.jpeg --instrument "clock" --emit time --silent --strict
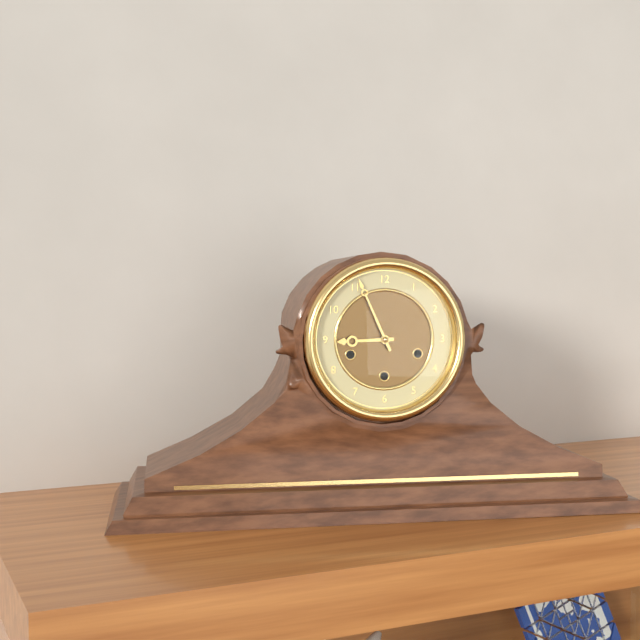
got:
8:56
